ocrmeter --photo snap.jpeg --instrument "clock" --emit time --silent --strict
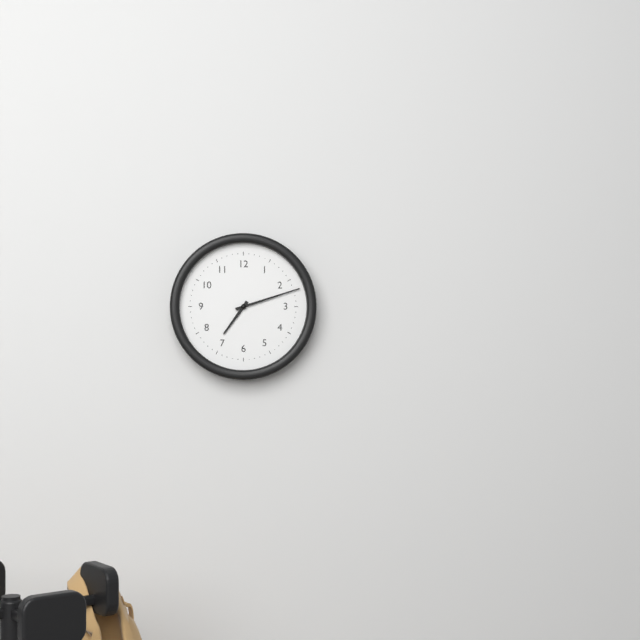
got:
7:12
